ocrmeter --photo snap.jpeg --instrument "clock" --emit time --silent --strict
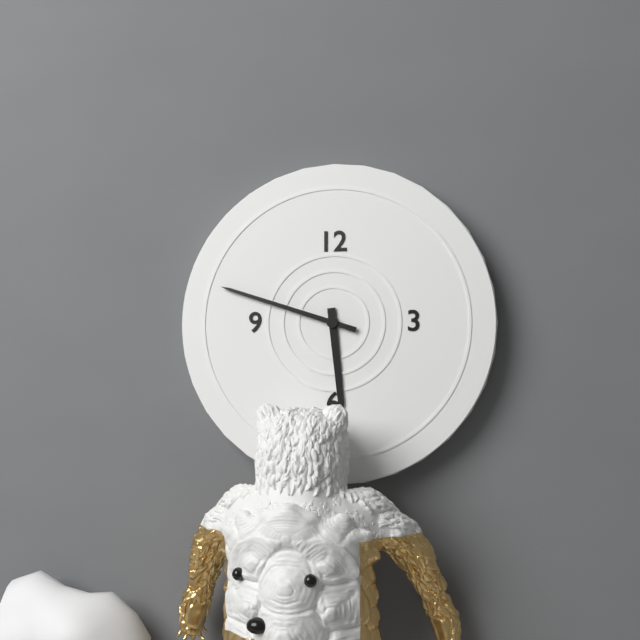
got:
5:48
